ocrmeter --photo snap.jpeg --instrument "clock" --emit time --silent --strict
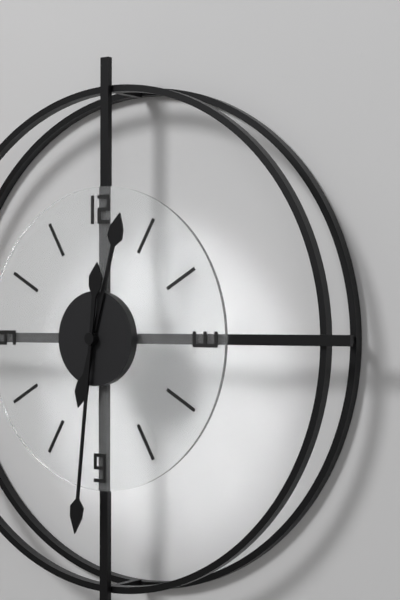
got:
12:31
